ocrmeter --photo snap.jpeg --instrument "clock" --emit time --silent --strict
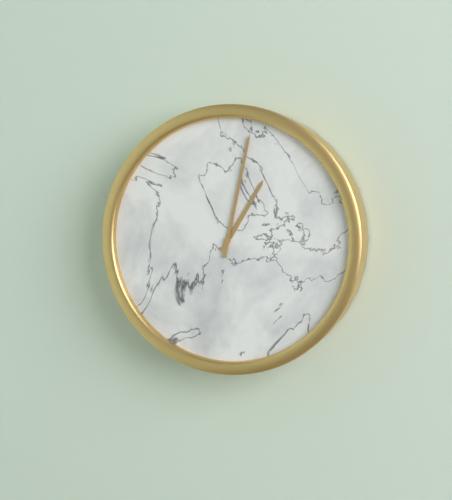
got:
1:02
